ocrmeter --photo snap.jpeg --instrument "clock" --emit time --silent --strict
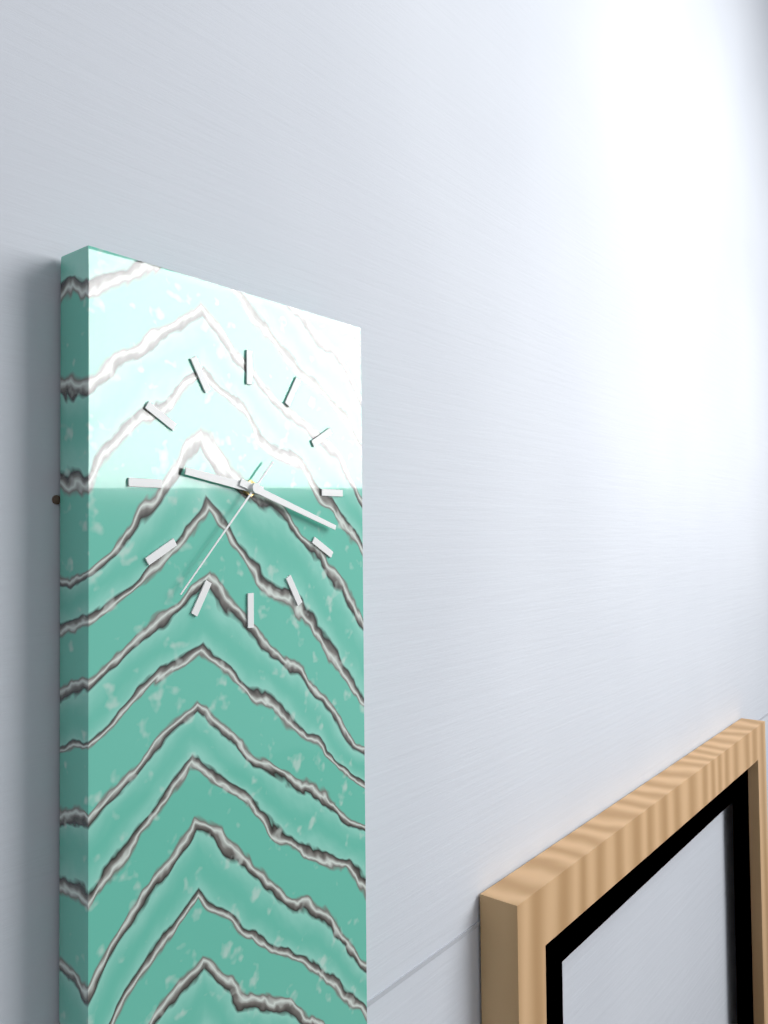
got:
9:18:37
